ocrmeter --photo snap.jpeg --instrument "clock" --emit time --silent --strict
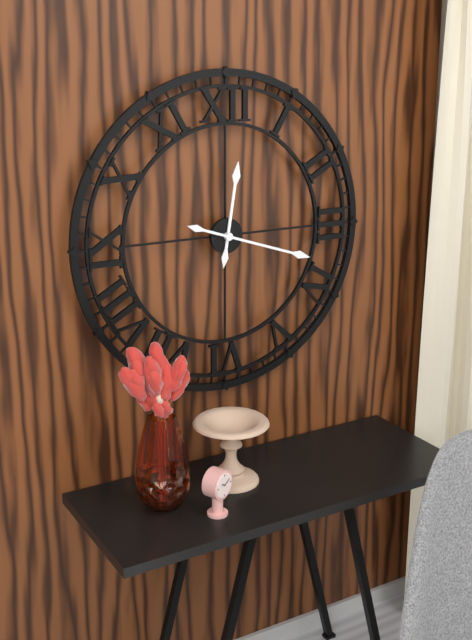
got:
12:18
